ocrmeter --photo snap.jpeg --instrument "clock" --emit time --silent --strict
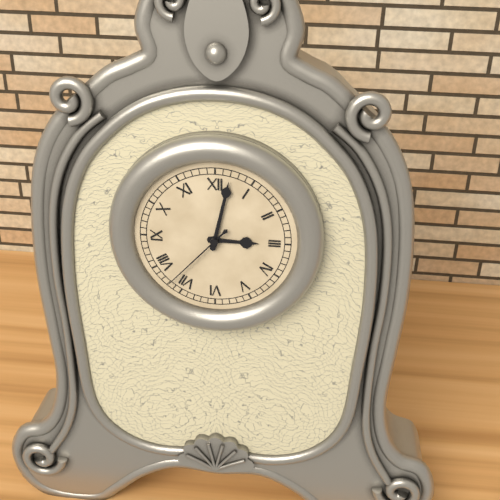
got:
3:02:37
